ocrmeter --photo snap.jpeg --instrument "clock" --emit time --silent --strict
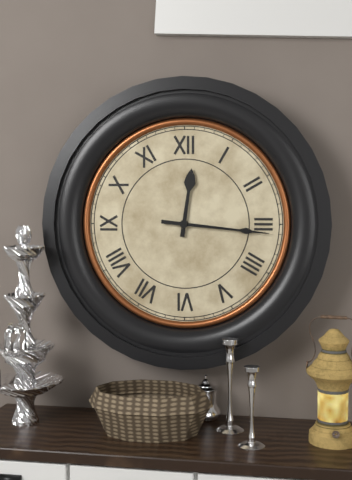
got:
12:16
